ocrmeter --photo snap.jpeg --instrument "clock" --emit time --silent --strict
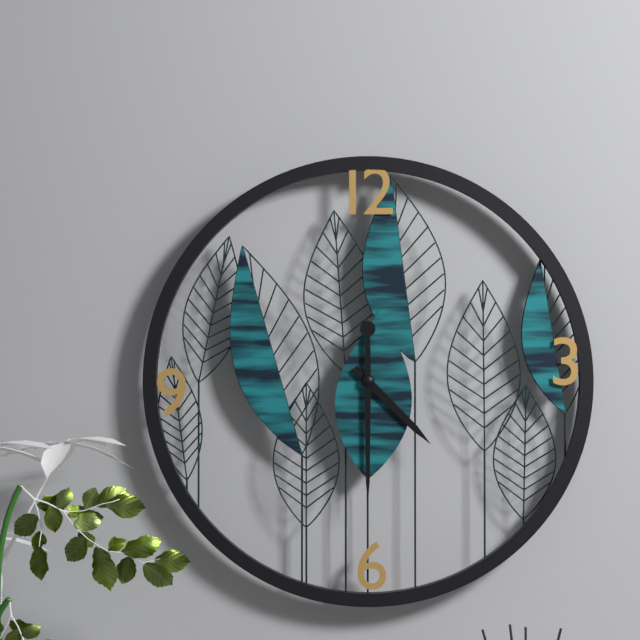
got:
4:30
